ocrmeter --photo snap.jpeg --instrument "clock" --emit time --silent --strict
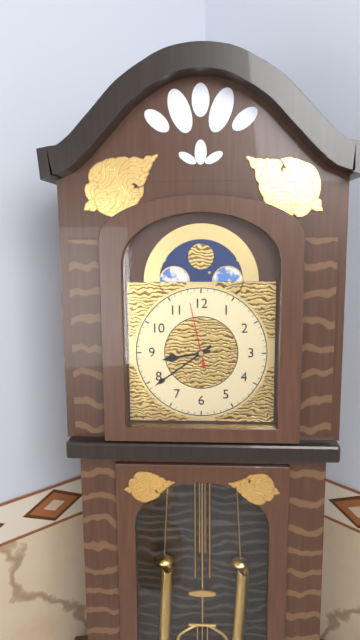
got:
8:39:58
